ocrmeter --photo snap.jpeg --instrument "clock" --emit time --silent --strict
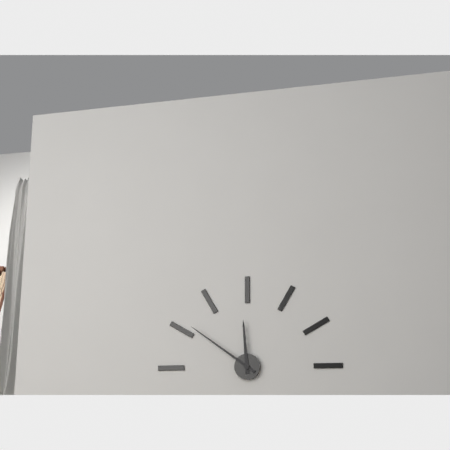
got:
11:51
